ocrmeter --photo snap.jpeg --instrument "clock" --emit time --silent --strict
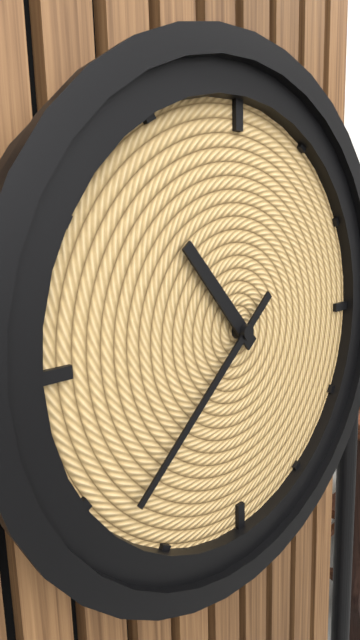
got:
10:38
